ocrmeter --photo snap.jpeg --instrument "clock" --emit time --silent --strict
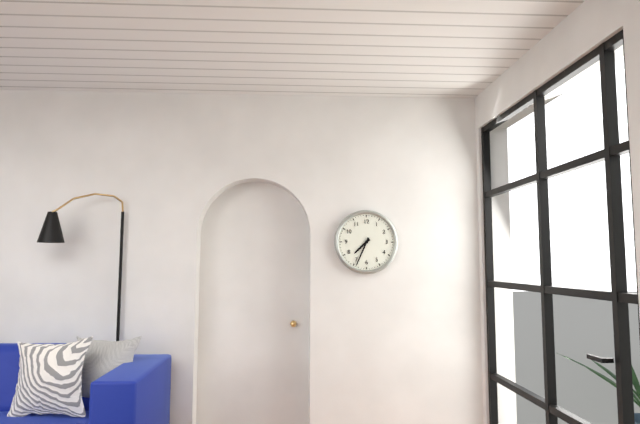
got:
7:34
